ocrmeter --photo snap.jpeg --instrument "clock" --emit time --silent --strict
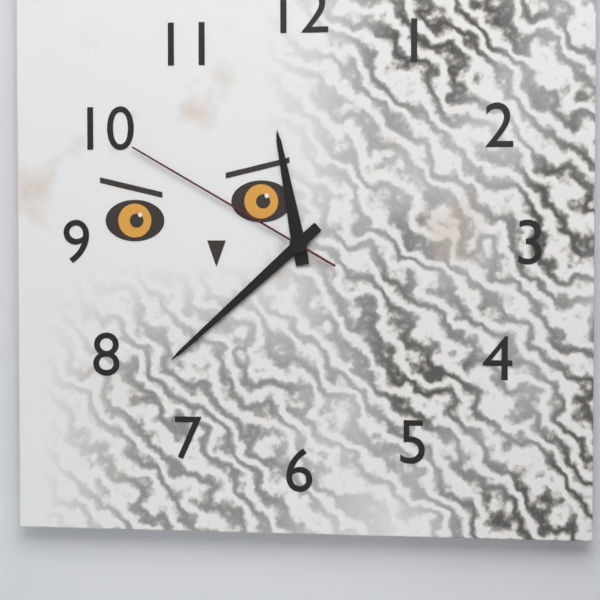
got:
11:38:50
